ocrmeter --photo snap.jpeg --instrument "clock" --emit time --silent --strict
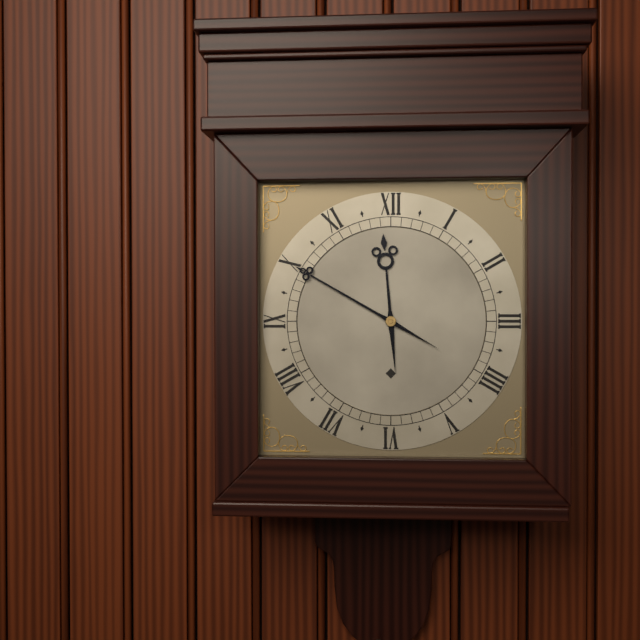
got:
11:50
